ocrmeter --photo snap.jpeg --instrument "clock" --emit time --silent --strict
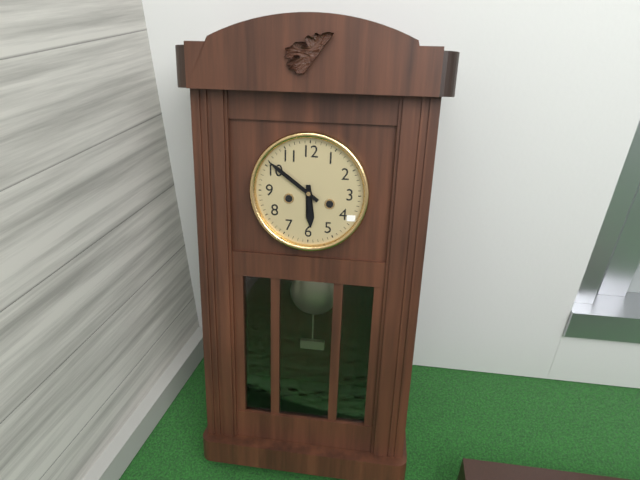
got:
5:51
